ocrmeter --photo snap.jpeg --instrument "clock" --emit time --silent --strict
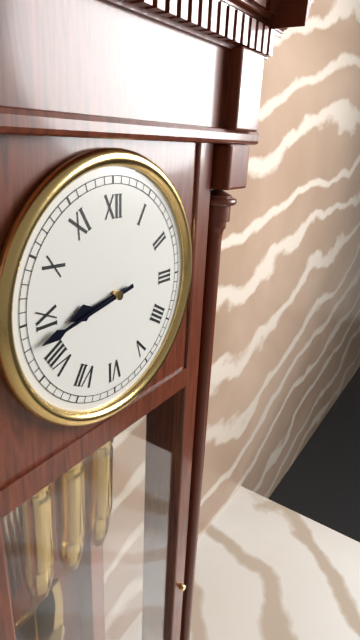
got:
8:43
